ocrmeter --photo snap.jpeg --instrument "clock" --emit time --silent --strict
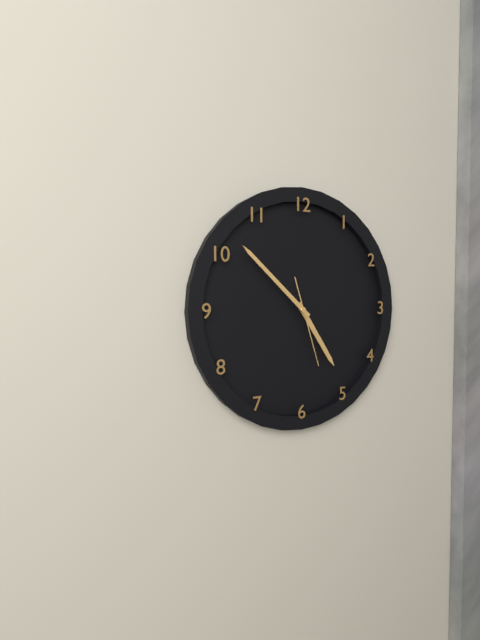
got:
4:52:27
